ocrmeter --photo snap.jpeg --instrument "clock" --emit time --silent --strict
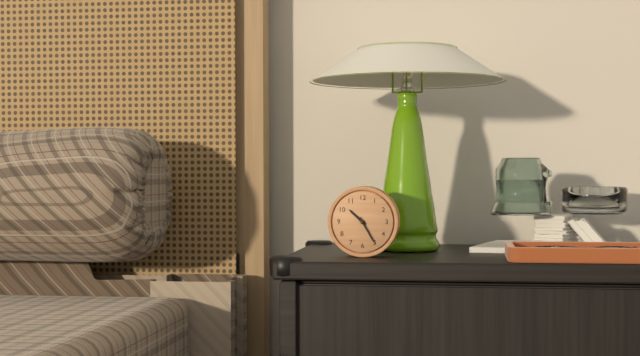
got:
10:25
